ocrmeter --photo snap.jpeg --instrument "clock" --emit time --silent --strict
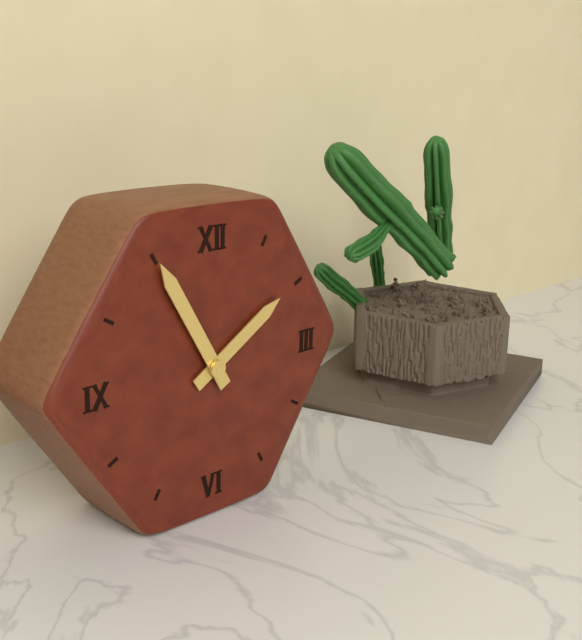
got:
1:55
